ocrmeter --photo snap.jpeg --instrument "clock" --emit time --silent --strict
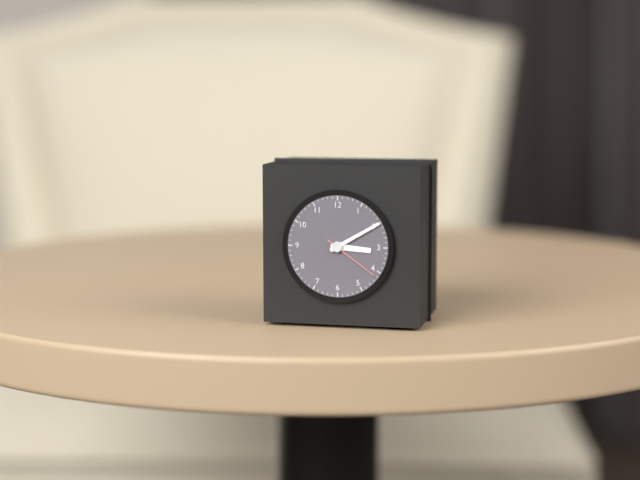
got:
3:10:21
